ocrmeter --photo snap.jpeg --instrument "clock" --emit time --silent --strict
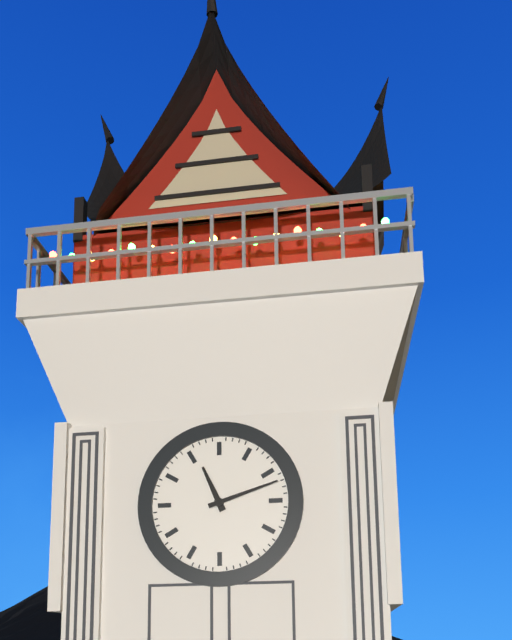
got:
11:12
